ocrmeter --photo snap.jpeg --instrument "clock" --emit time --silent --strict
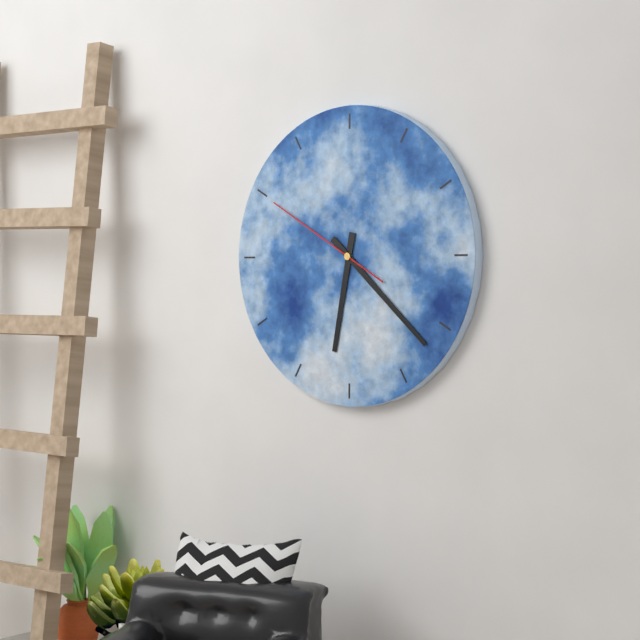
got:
6:22:50
